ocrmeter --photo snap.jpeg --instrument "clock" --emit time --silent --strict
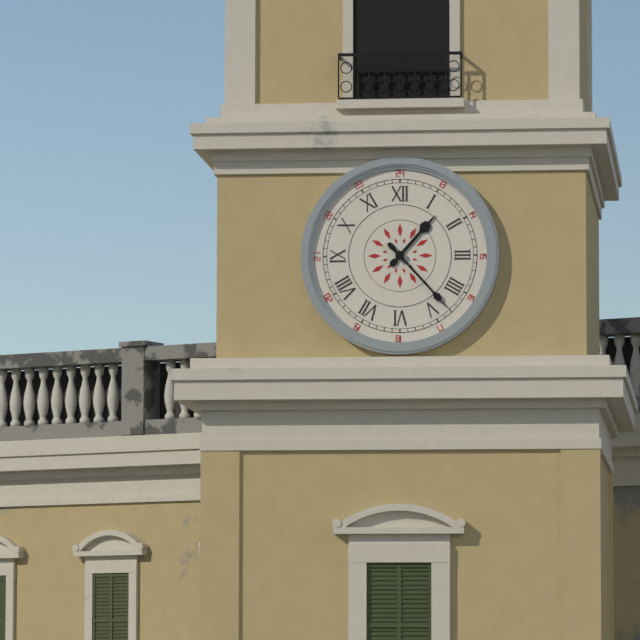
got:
1:23
